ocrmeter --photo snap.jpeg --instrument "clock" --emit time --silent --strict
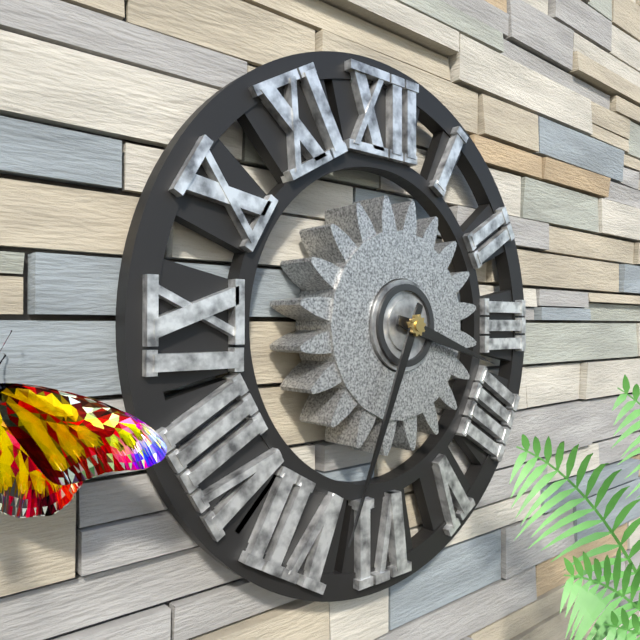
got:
3:34
